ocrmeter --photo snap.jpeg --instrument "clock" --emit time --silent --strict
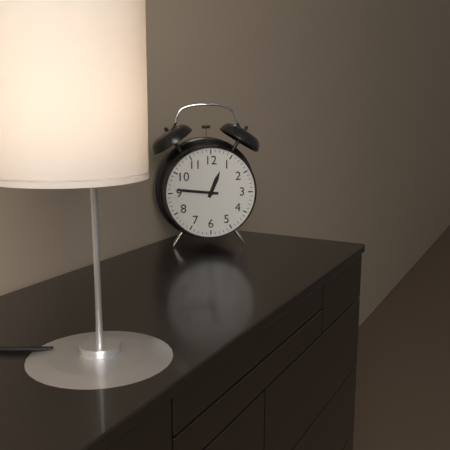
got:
12:46
